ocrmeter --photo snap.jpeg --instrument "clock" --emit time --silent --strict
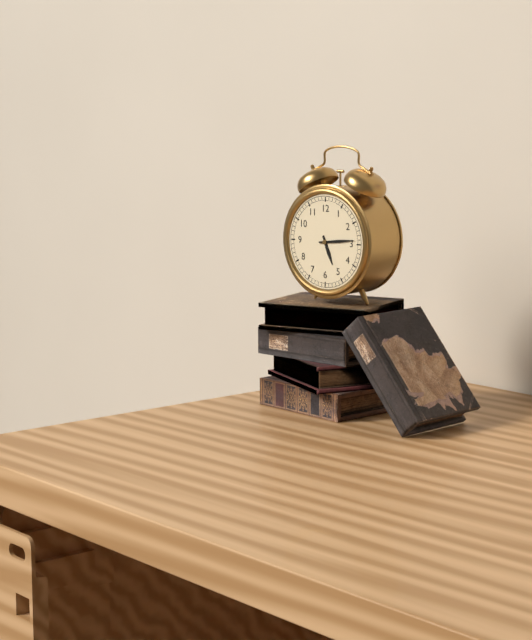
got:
5:14
